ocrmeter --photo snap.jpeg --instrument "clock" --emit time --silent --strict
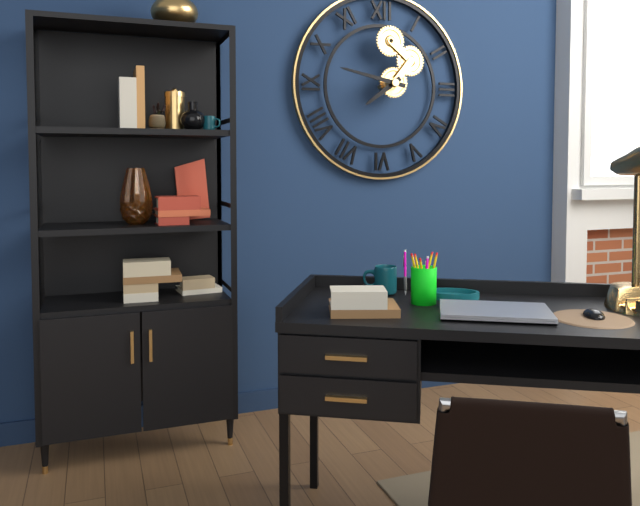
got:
7:47
